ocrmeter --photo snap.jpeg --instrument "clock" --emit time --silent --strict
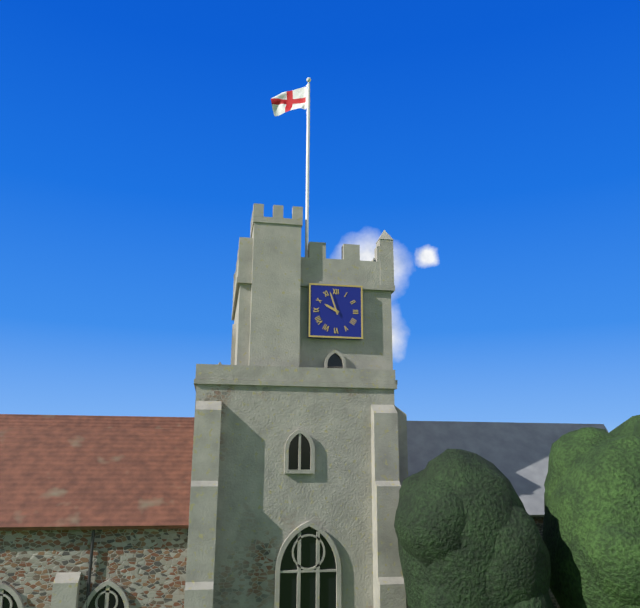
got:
9:57
